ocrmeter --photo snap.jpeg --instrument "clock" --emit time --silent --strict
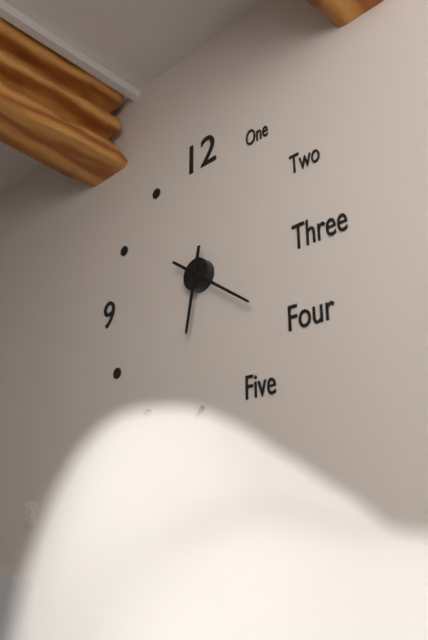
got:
6:21
